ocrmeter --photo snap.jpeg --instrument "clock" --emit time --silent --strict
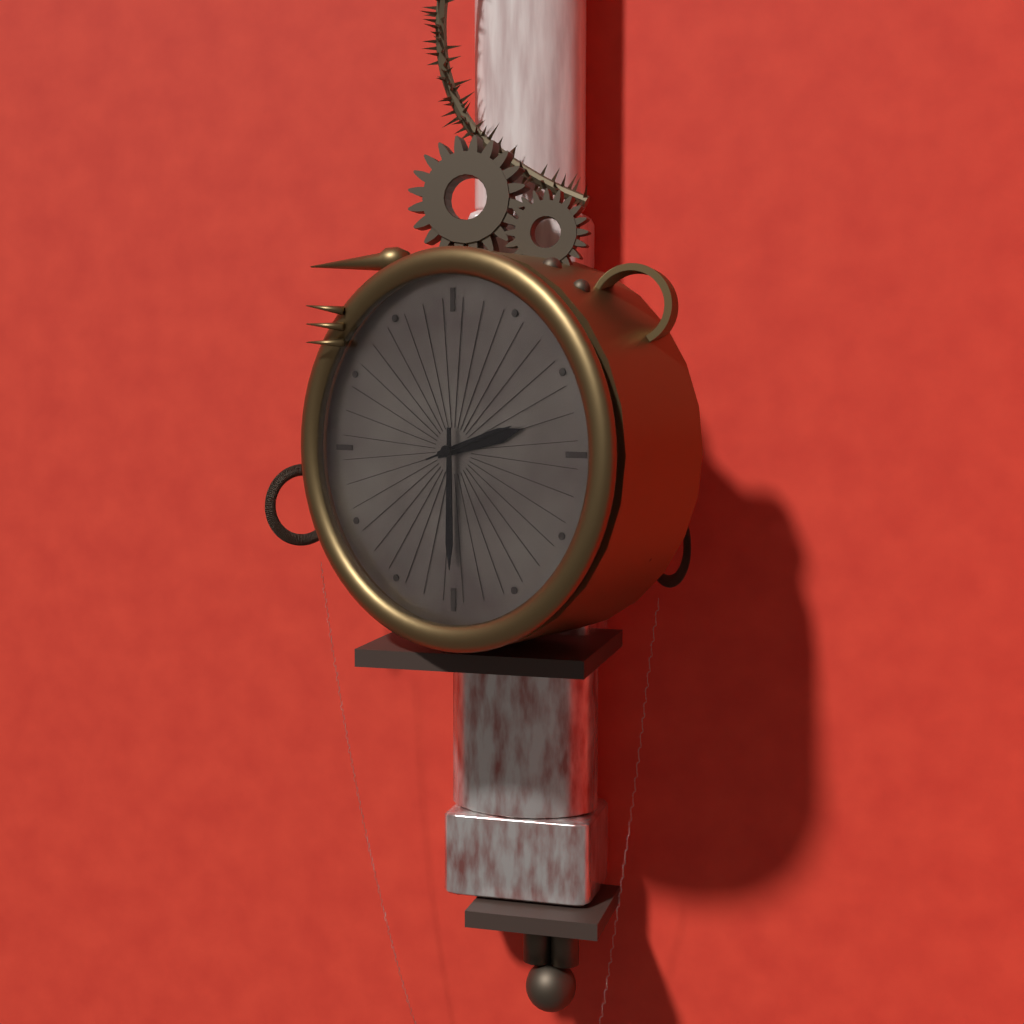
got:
2:30:12
